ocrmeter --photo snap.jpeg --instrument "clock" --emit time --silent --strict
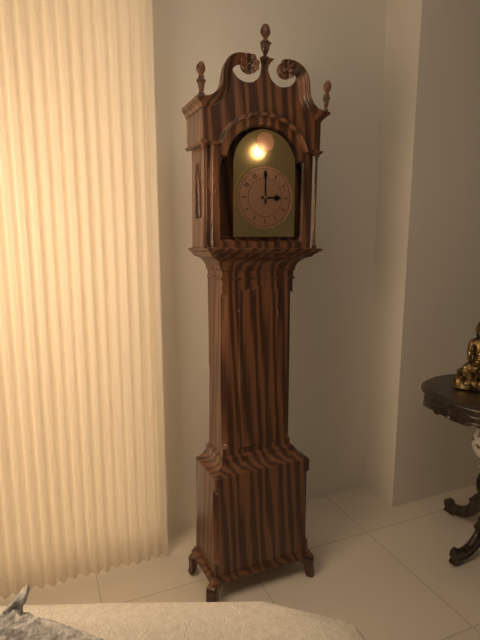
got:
3:00
